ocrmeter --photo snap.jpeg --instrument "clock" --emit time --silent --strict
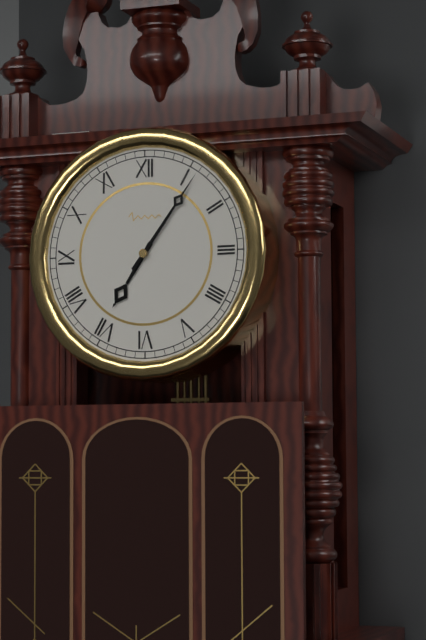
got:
7:06
